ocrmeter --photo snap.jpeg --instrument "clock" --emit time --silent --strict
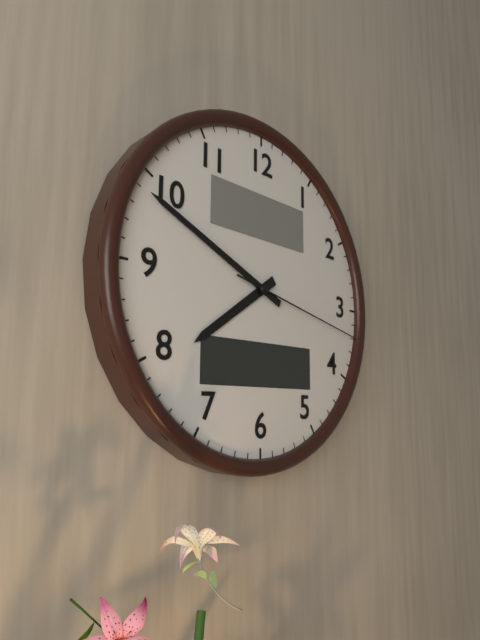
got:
7:49:17
